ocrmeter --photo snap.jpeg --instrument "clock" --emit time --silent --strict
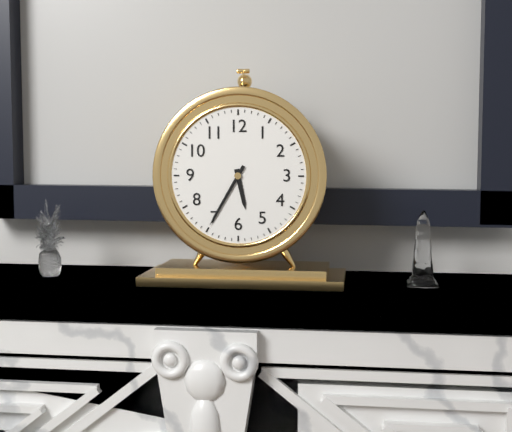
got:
5:35
